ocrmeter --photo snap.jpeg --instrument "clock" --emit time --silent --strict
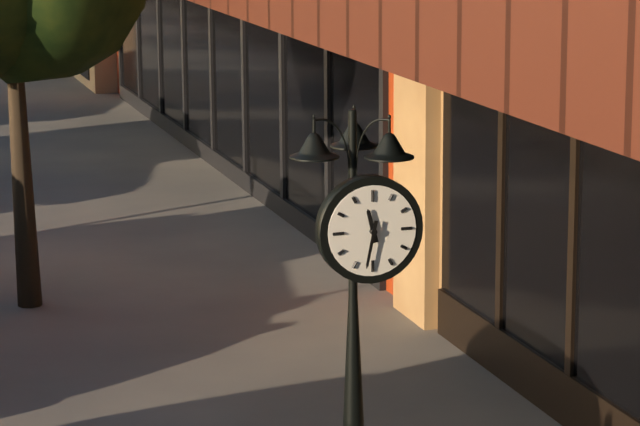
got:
11:32
